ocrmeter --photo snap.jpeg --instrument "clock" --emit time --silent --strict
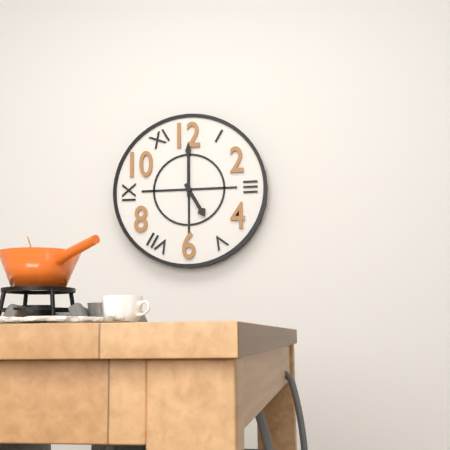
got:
5:00
